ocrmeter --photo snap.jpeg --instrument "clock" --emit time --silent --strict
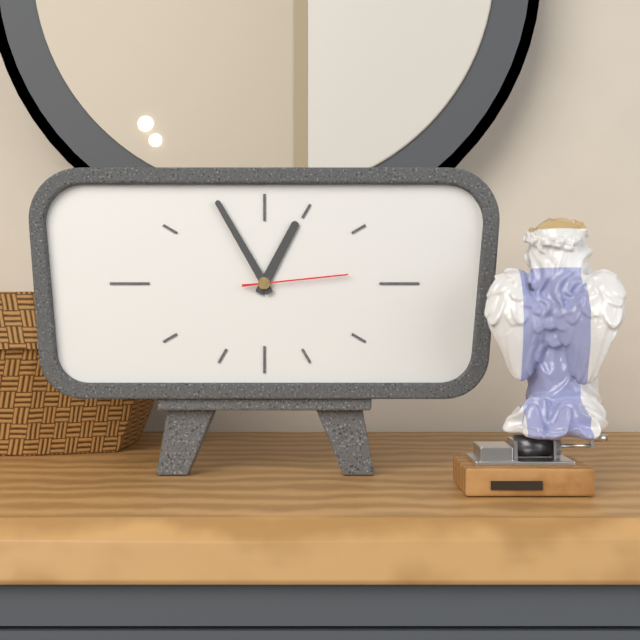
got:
12:55:14
